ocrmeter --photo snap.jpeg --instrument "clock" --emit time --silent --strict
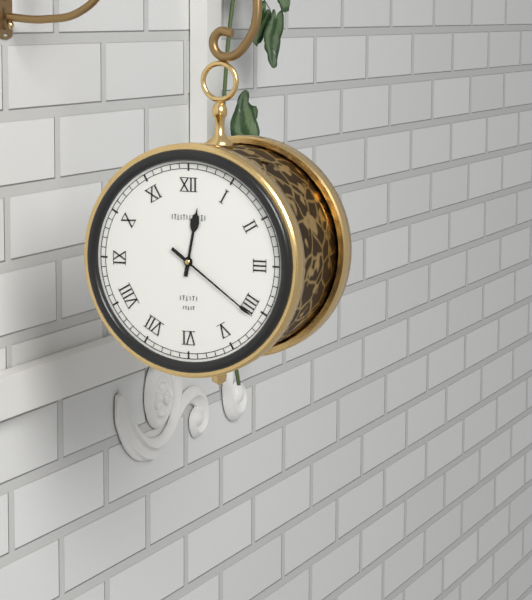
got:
12:21
